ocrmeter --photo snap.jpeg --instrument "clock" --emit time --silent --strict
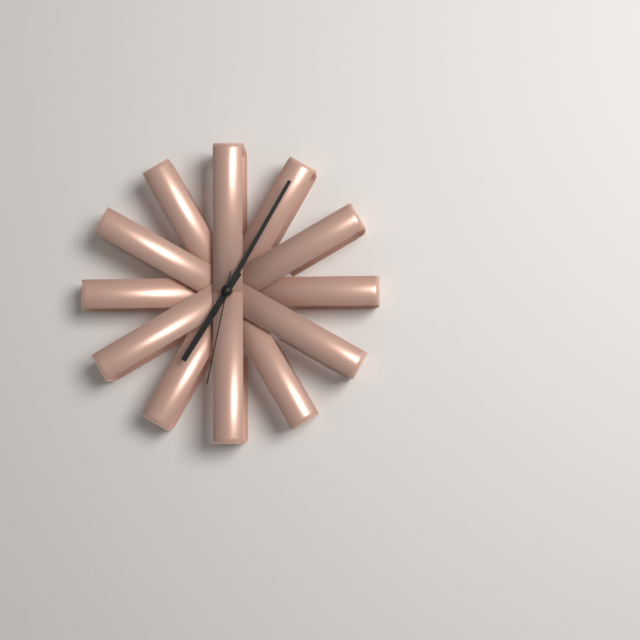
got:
7:05:32
